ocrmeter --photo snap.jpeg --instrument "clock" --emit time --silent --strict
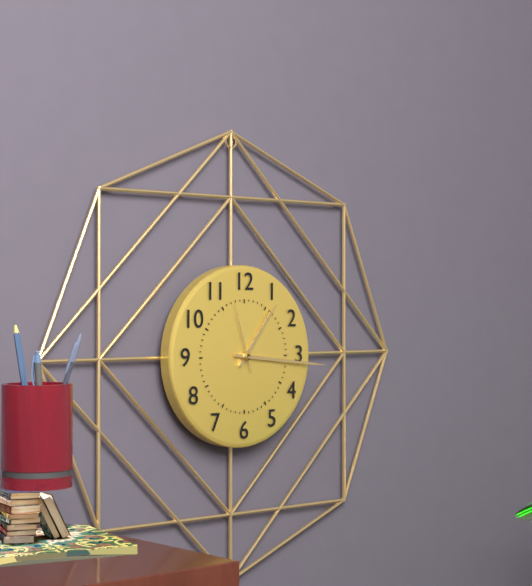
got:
1:16:57
